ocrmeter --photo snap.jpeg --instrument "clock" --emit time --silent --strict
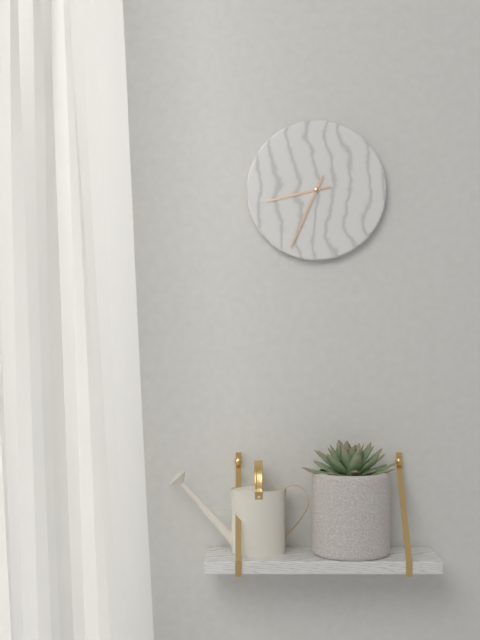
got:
8:34
